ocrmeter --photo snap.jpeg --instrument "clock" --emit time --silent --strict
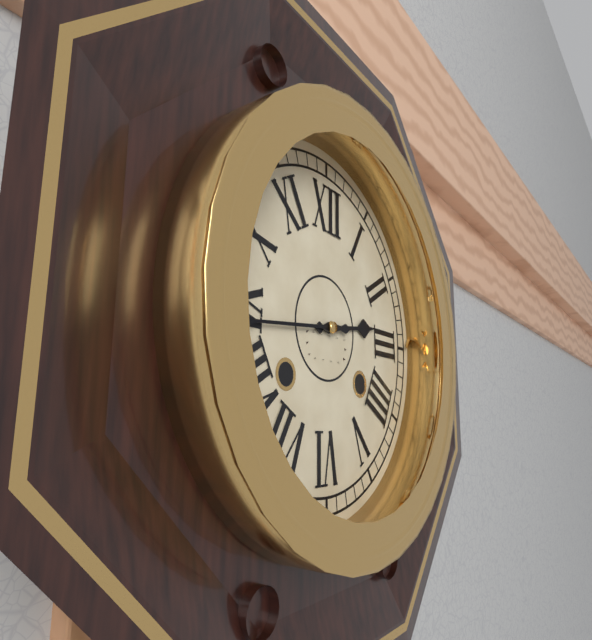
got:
2:44
